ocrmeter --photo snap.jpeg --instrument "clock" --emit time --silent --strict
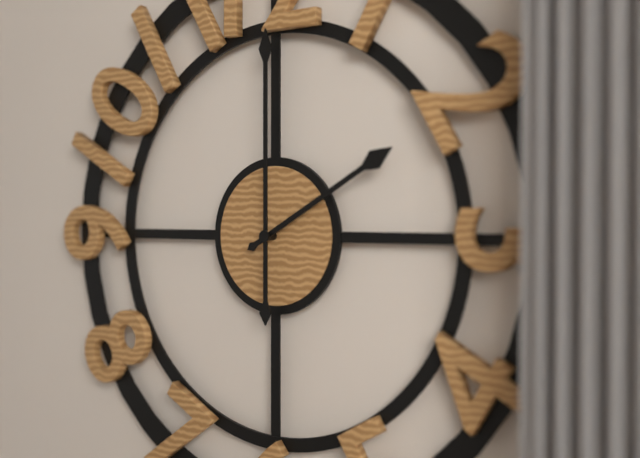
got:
2:00
